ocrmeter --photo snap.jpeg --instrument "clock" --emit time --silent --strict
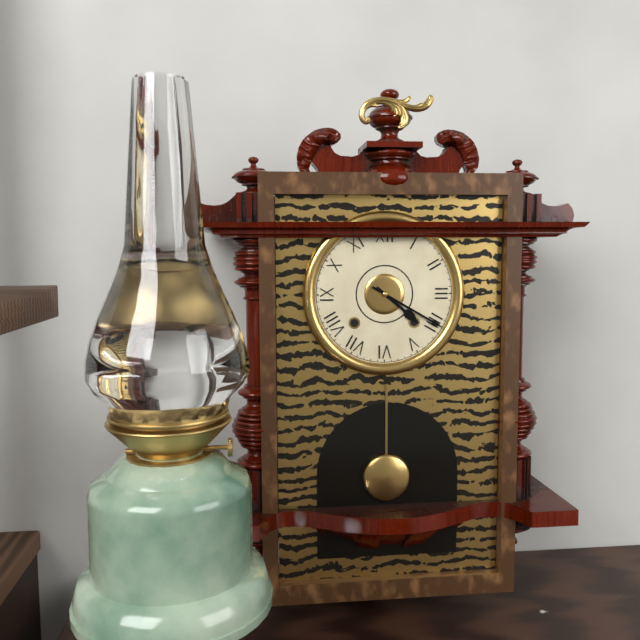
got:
4:20
